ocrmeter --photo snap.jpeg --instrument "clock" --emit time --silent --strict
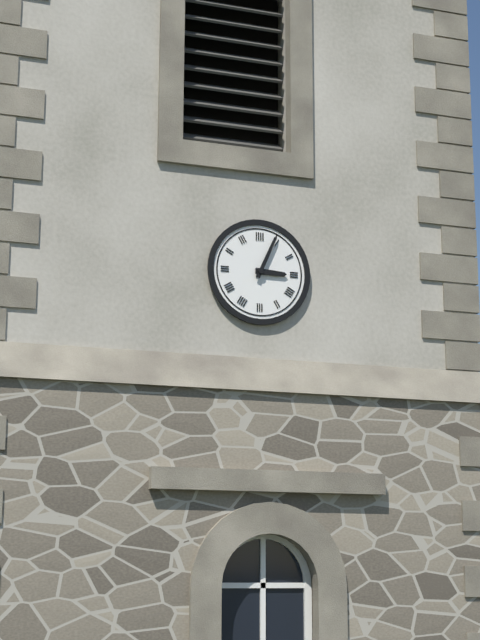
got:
3:04
